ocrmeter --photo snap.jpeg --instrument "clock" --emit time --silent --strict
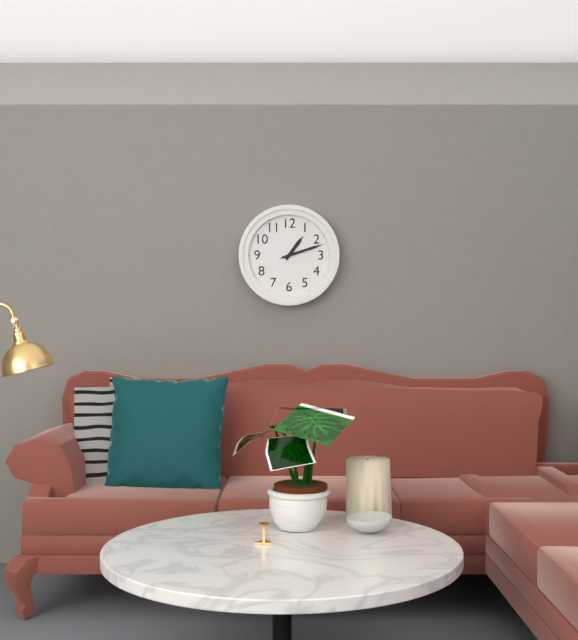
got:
1:12
